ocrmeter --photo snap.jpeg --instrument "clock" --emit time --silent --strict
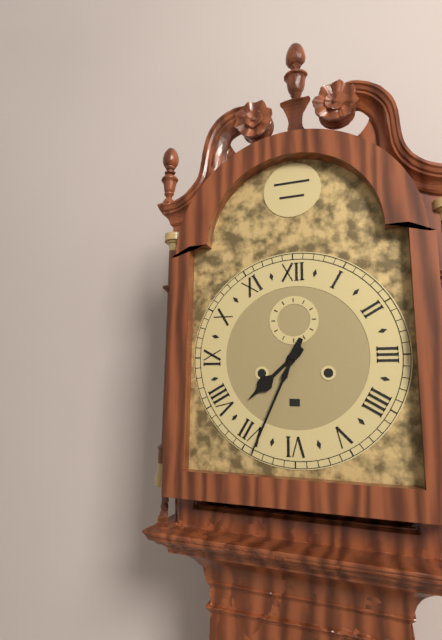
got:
7:34
